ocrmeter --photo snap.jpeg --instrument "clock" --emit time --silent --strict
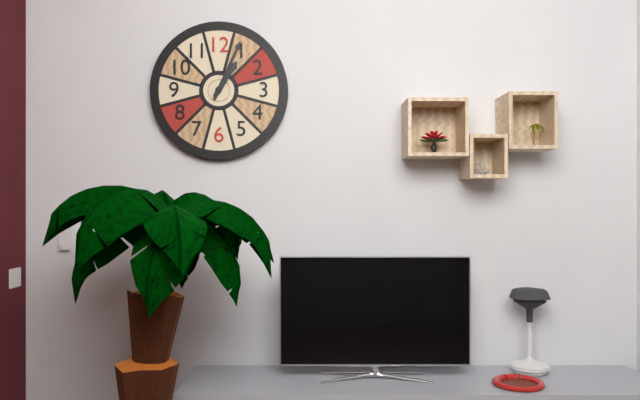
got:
1:04
